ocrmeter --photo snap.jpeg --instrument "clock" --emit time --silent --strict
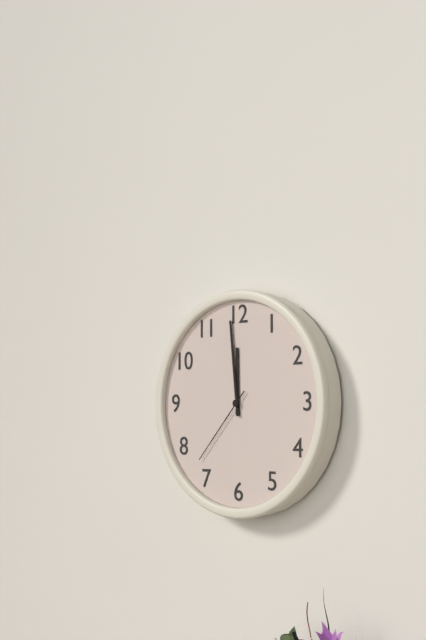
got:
11:59:37
